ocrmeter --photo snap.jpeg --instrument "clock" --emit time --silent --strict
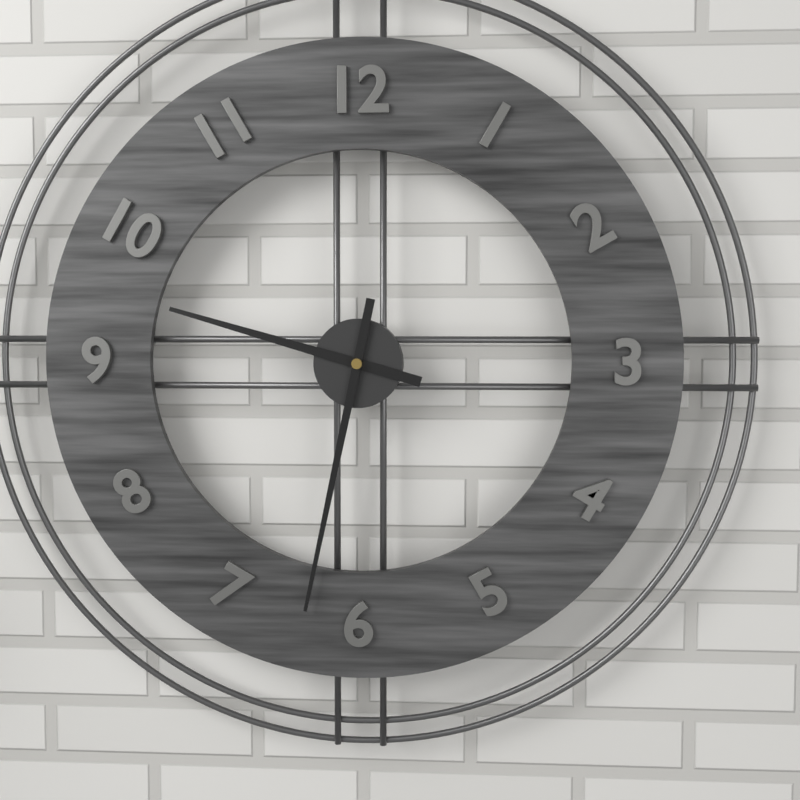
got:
9:32
